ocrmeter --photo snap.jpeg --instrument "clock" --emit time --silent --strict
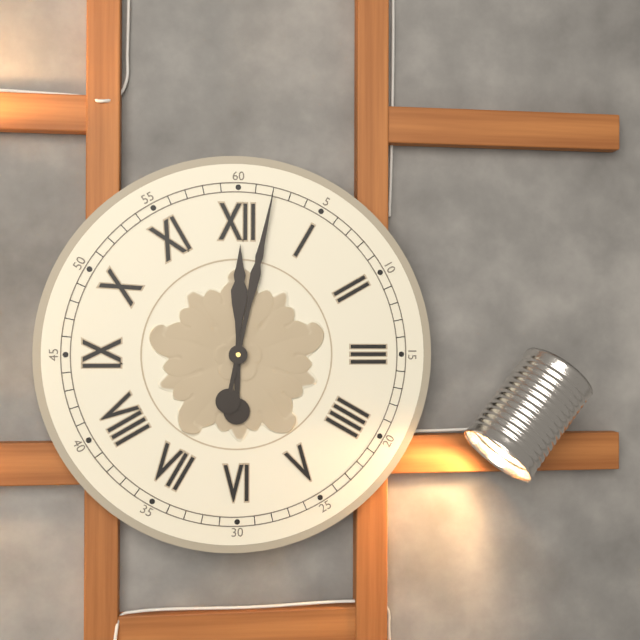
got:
12:02
